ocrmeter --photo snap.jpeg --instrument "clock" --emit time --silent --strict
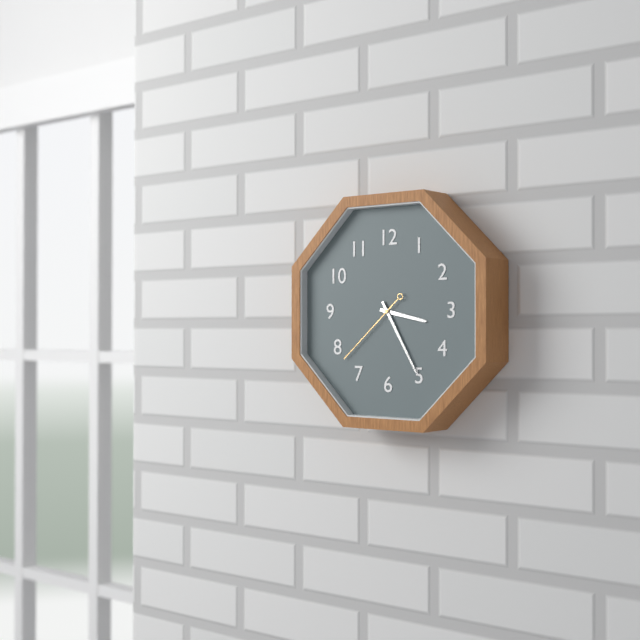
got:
3:25:38
